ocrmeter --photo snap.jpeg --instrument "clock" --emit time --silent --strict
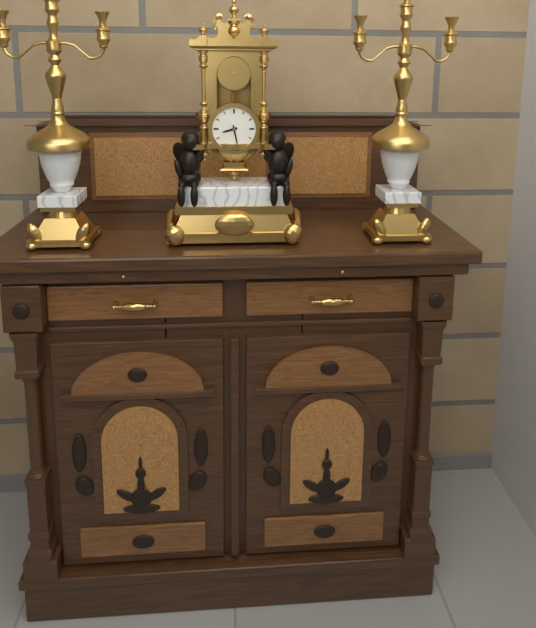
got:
8:28
